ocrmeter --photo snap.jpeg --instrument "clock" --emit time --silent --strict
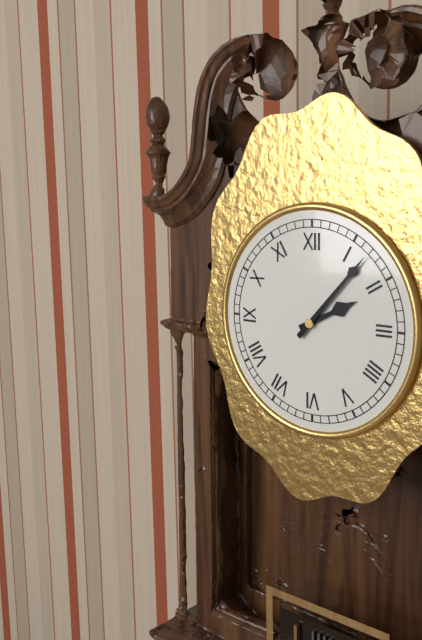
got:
2:07
